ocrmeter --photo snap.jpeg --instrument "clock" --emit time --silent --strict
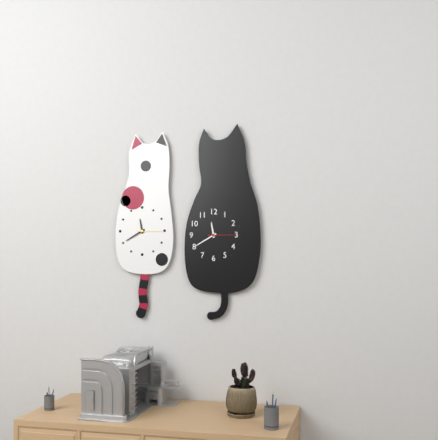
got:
11:40
